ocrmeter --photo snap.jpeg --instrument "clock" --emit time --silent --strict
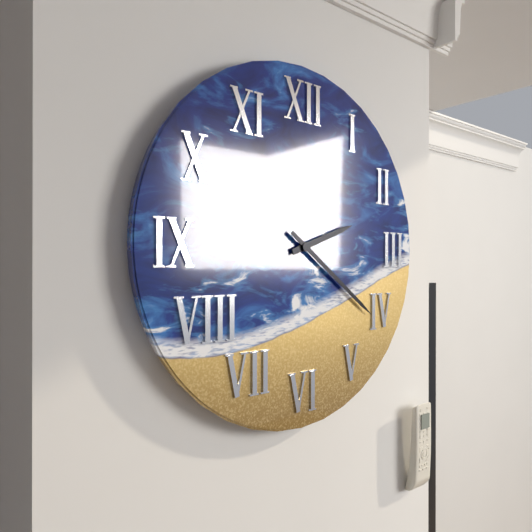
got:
2:21
